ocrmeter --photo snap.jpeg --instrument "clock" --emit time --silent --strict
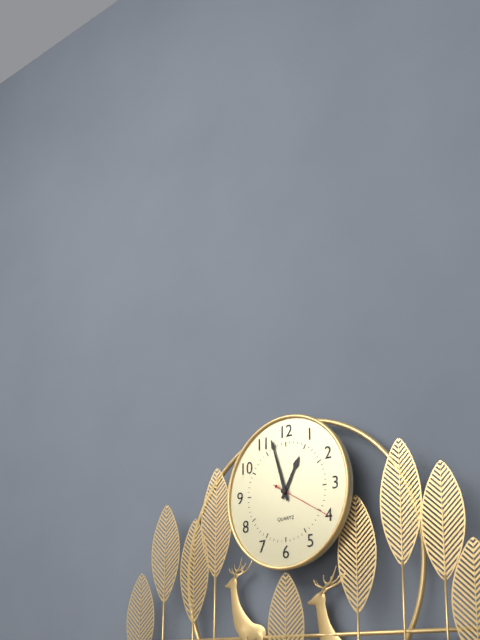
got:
12:57:20
